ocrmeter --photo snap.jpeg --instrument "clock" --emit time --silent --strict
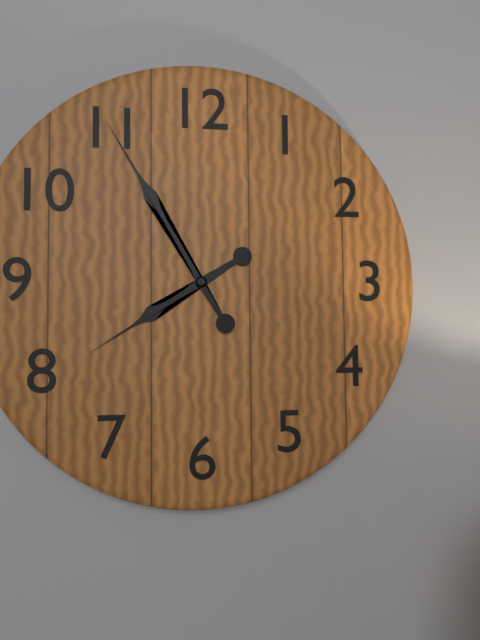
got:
7:55
